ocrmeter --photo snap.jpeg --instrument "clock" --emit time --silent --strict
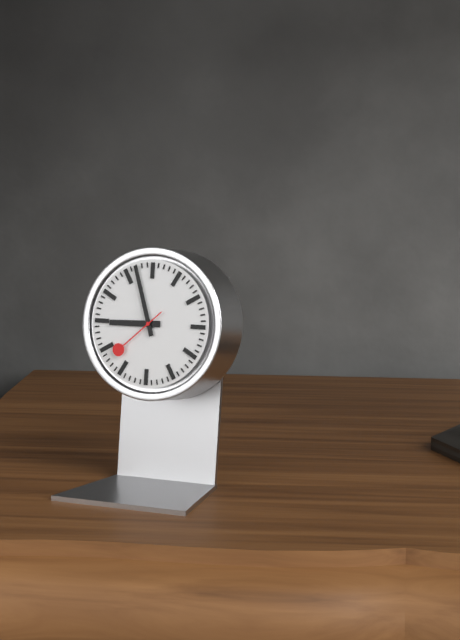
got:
8:57:38
